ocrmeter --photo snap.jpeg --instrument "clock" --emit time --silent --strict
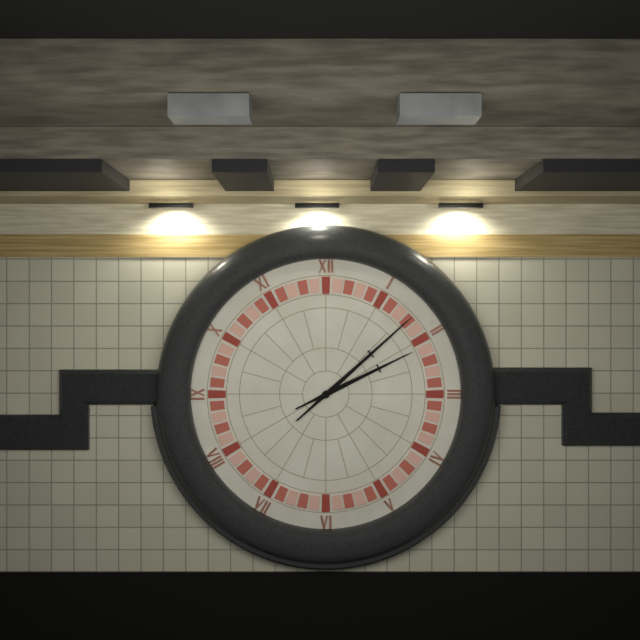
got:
2:08
